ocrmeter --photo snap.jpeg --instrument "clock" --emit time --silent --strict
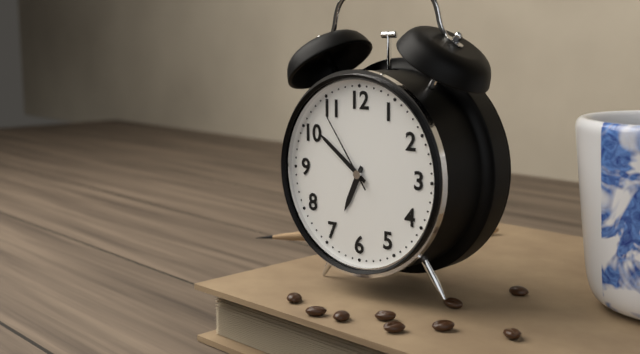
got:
6:51:54
